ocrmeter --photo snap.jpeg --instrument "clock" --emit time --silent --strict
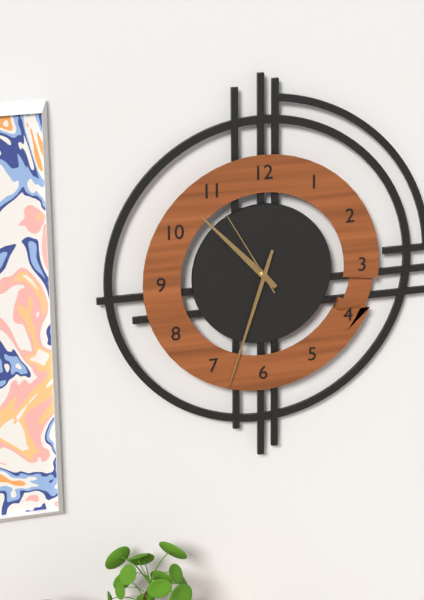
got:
10:33:55
